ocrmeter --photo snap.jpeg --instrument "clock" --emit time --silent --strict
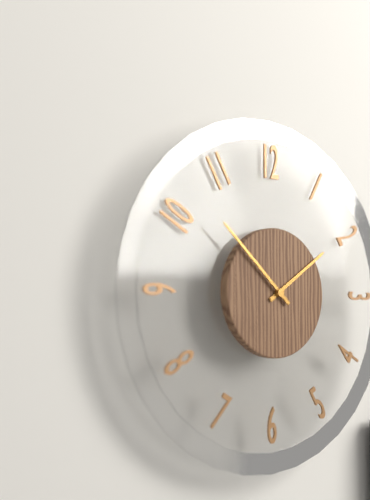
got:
1:52
